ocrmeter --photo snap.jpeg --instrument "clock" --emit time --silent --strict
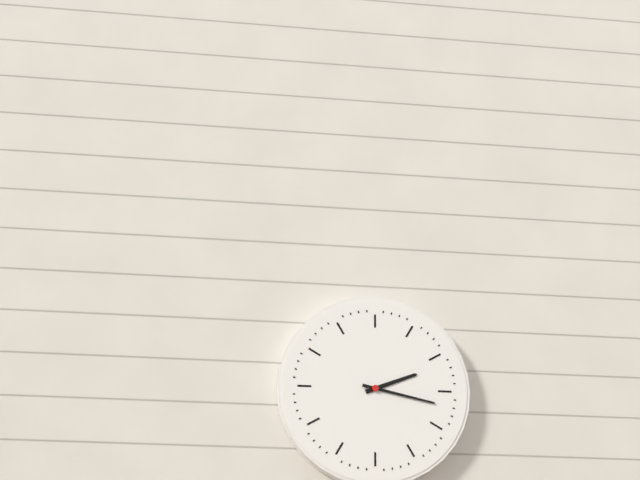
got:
2:17
